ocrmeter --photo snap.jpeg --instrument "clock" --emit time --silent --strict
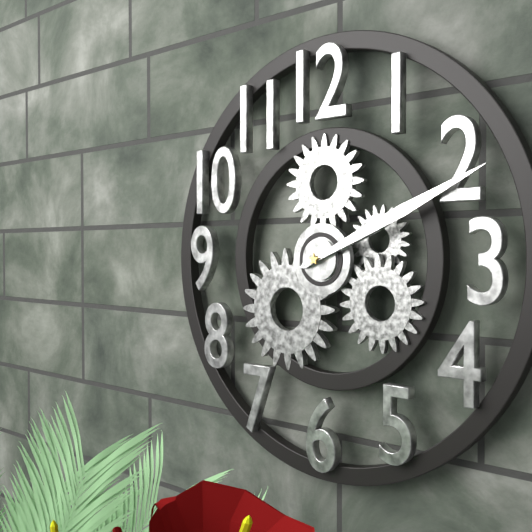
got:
2:11
